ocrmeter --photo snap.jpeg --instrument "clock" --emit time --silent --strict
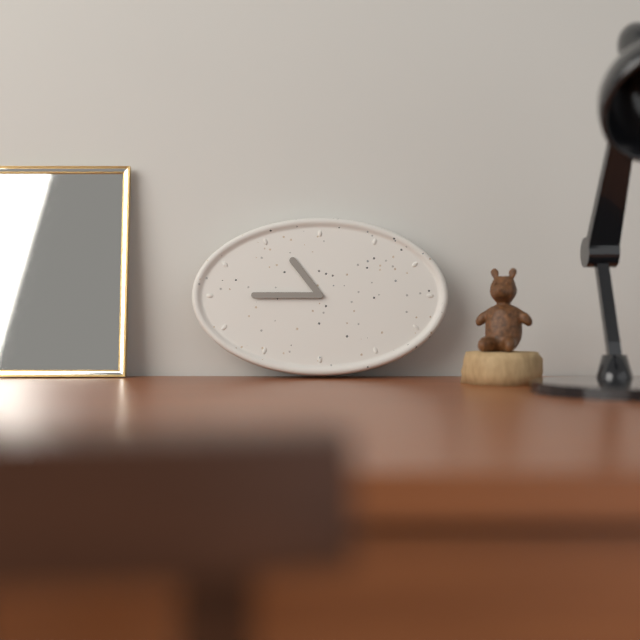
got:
10:45
